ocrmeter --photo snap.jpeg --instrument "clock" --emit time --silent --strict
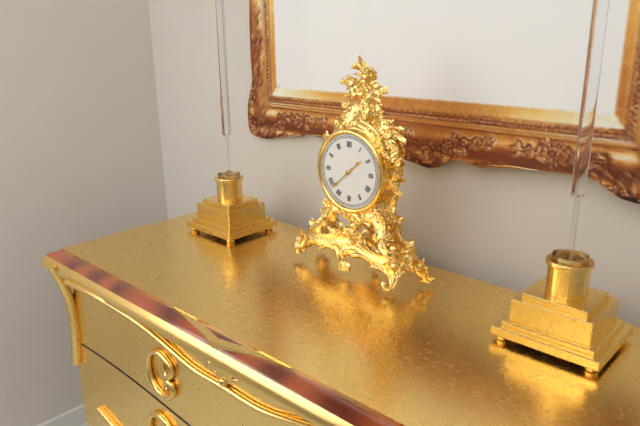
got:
1:38
